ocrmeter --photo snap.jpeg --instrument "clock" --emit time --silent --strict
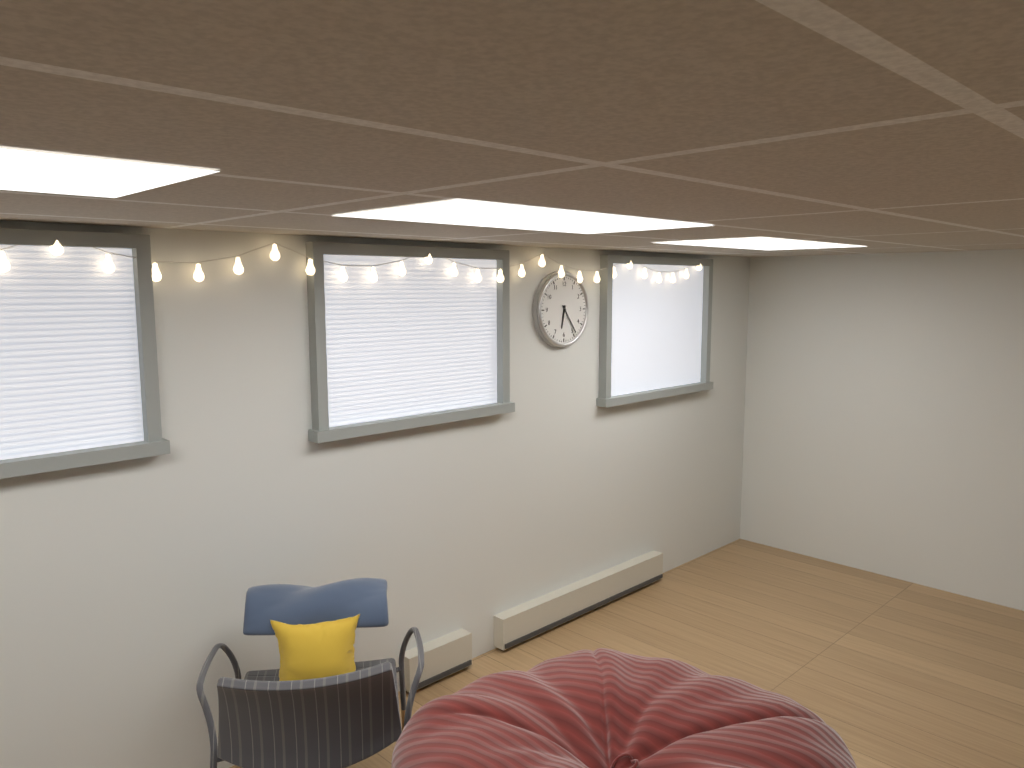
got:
6:24
